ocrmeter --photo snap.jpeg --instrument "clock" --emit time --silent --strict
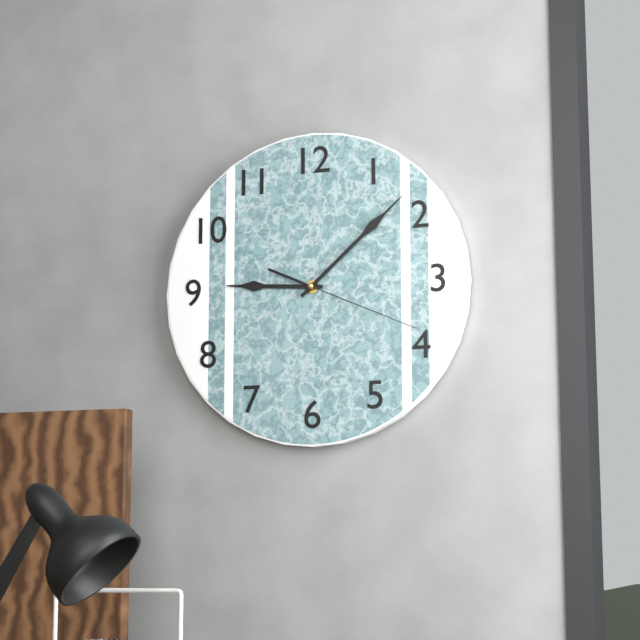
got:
9:08:19
